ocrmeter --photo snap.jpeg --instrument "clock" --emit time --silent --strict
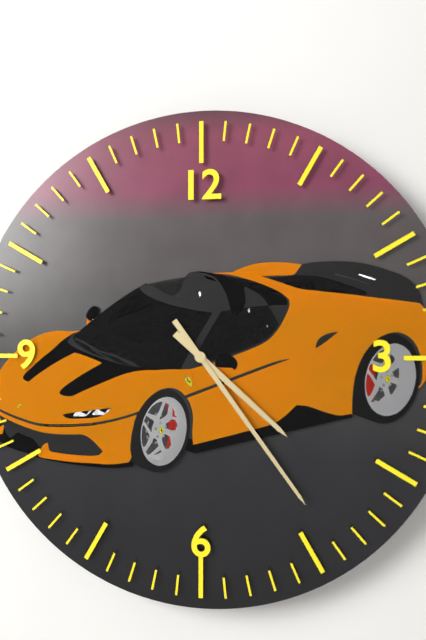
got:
4:24
